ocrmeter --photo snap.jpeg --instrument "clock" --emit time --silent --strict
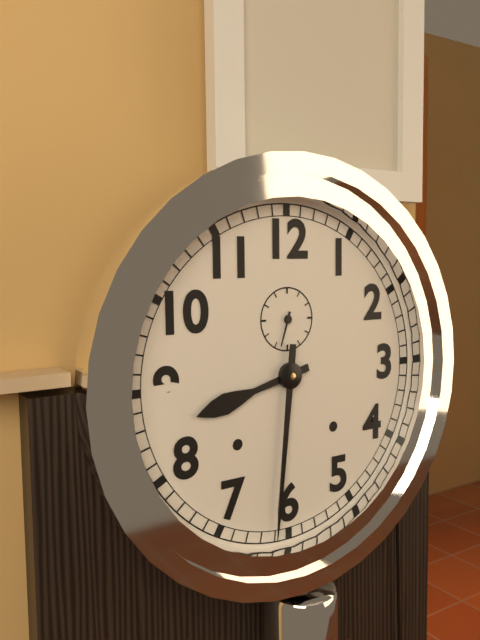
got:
8:31
